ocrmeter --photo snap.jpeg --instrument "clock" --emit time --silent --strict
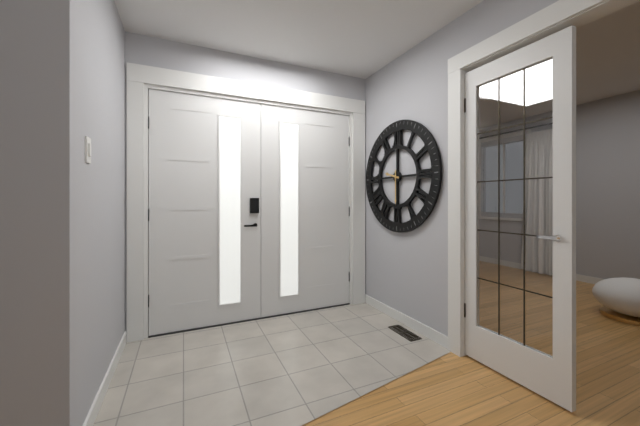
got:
9:30
